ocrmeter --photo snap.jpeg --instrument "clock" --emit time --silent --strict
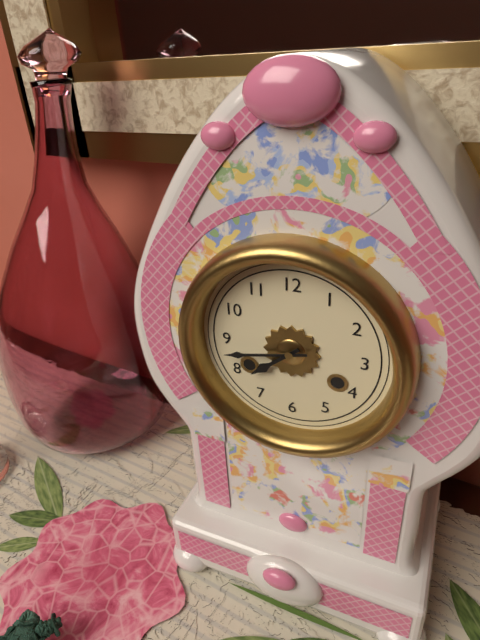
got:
7:43
